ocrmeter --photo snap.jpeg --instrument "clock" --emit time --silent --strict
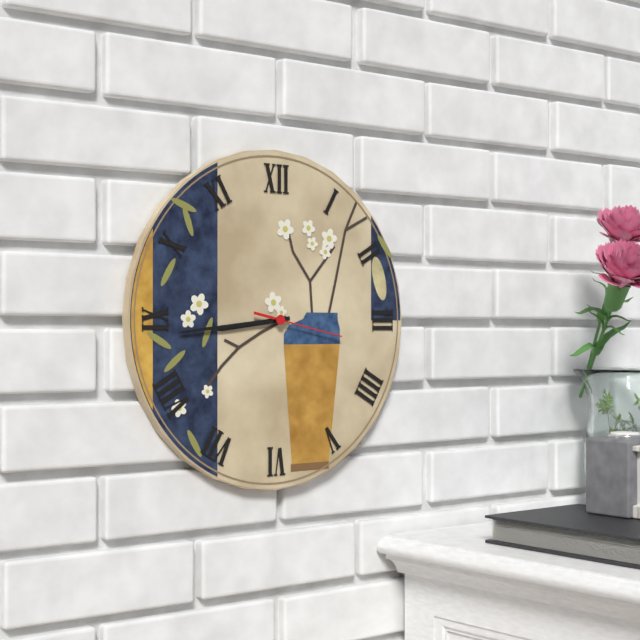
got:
8:44:17
